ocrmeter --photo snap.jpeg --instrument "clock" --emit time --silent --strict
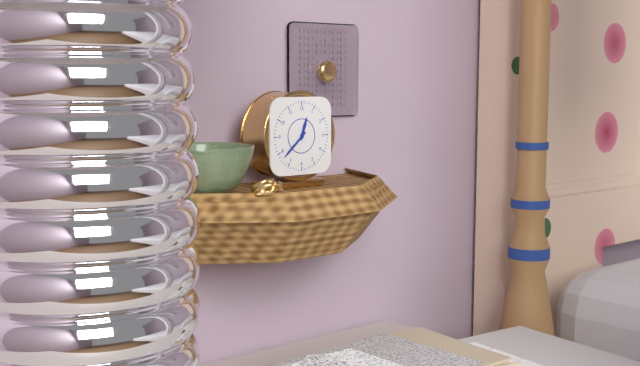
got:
12:38
